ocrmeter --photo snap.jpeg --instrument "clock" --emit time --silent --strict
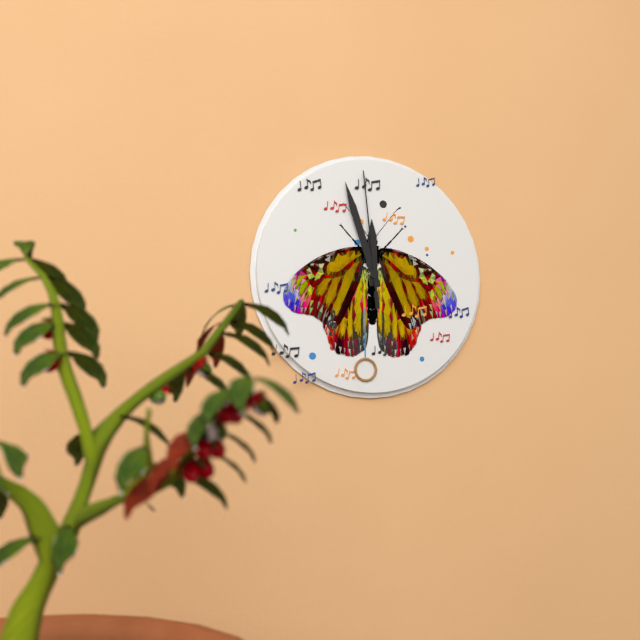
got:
11:57:59
